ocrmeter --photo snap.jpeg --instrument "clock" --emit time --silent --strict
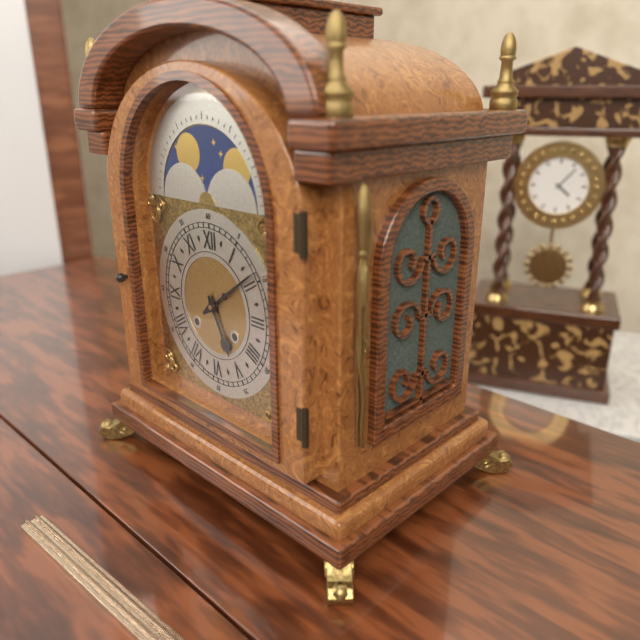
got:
5:09
